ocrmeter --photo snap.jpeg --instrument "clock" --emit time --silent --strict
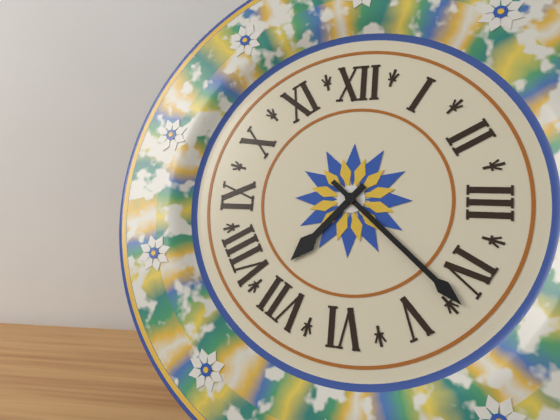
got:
7:22
